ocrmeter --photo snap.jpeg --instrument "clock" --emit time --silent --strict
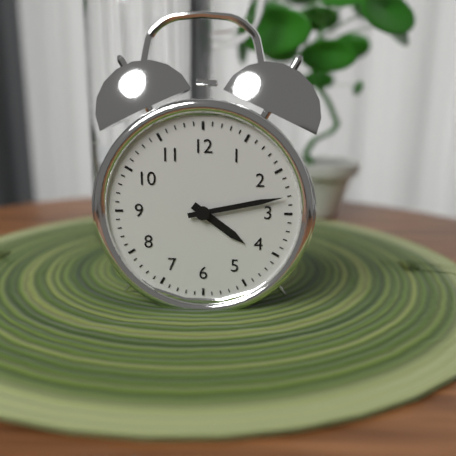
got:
4:13
